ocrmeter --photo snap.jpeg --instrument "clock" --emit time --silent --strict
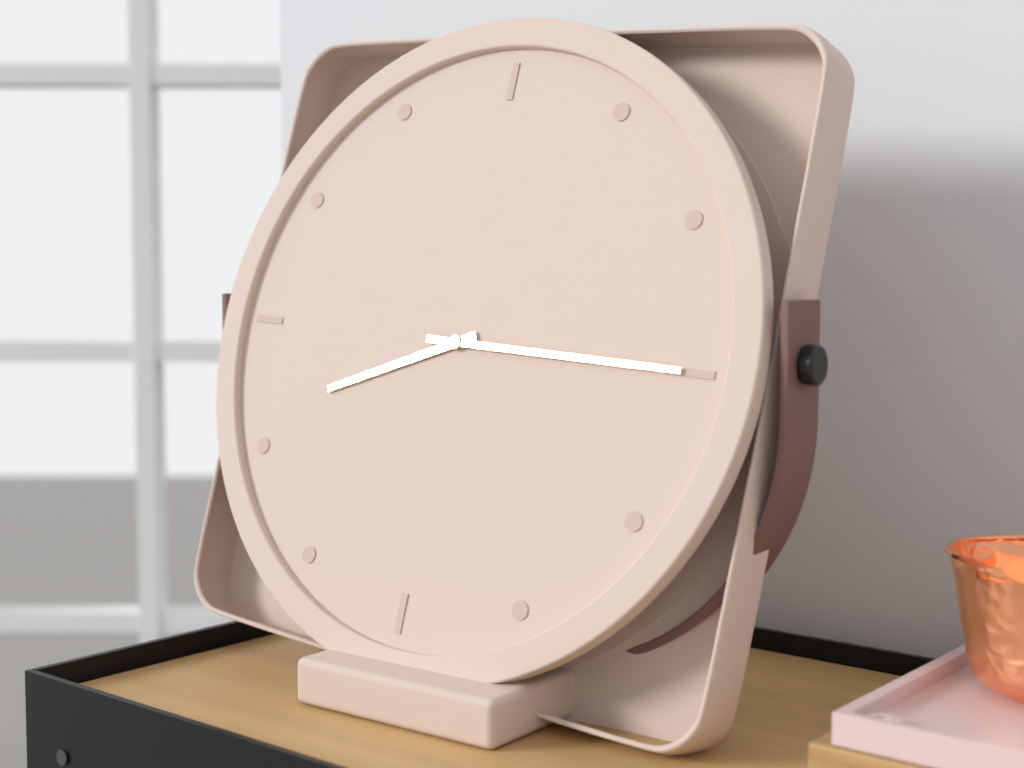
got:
8:15
